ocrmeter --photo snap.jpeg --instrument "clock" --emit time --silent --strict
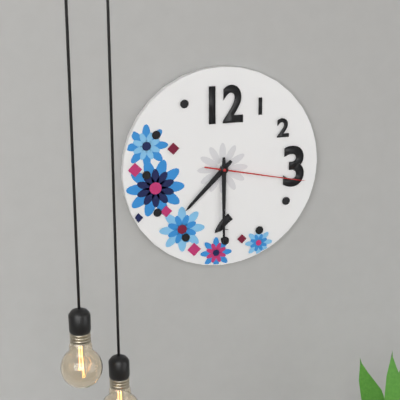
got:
7:30:17
